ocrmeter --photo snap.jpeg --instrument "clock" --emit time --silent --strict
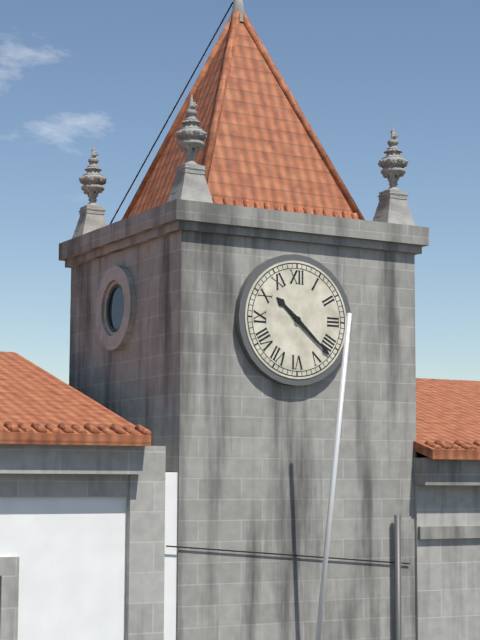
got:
10:22
